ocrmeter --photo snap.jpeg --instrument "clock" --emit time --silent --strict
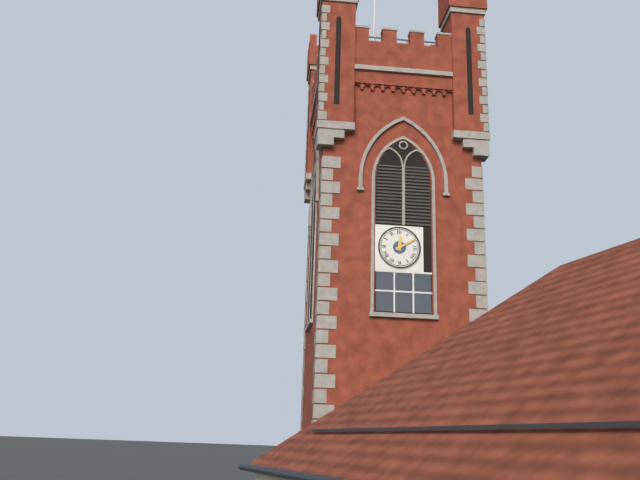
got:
12:10
